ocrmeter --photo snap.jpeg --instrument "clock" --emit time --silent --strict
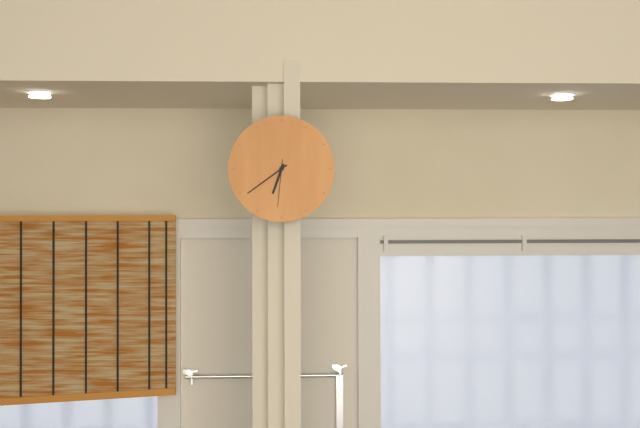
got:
6:39
